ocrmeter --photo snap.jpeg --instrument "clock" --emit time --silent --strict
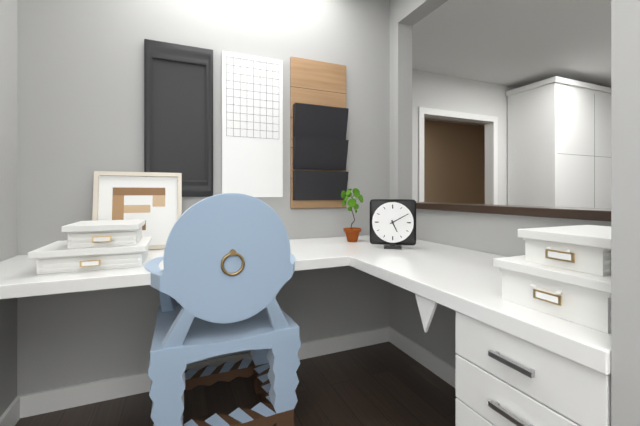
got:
5:10
